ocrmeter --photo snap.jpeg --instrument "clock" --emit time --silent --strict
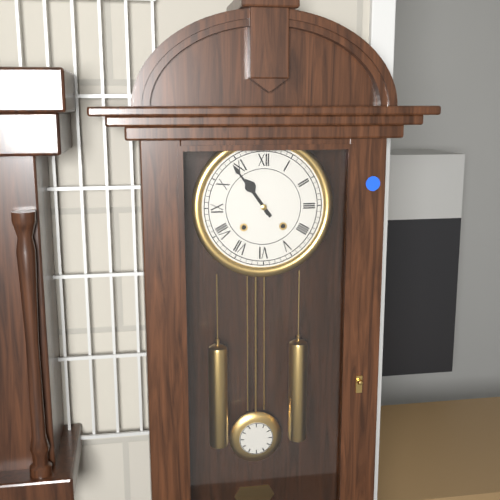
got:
10:54
